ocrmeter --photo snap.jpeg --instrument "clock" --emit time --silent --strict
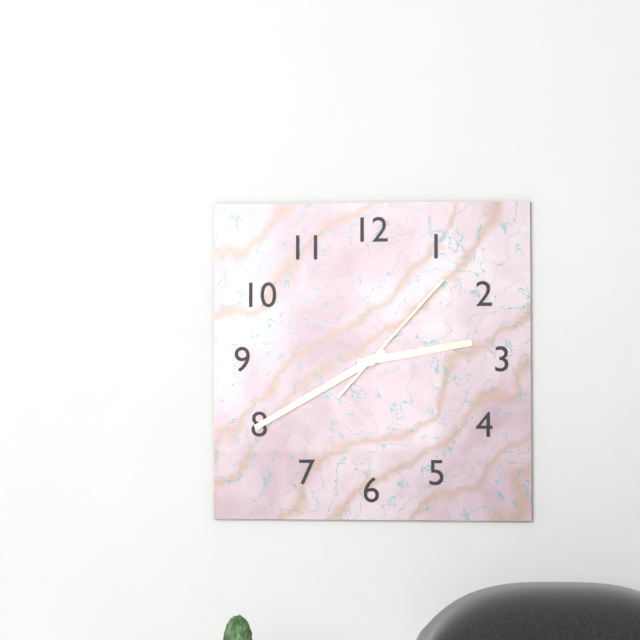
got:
2:40:07
